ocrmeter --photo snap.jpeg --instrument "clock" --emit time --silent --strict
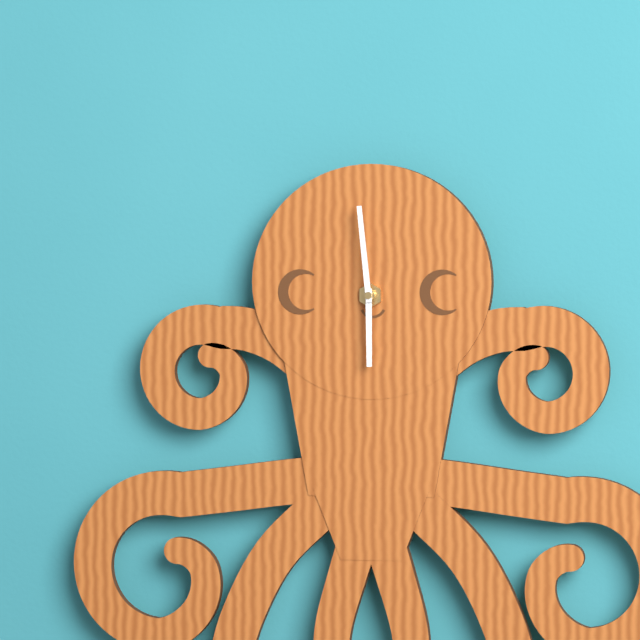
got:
5:59
